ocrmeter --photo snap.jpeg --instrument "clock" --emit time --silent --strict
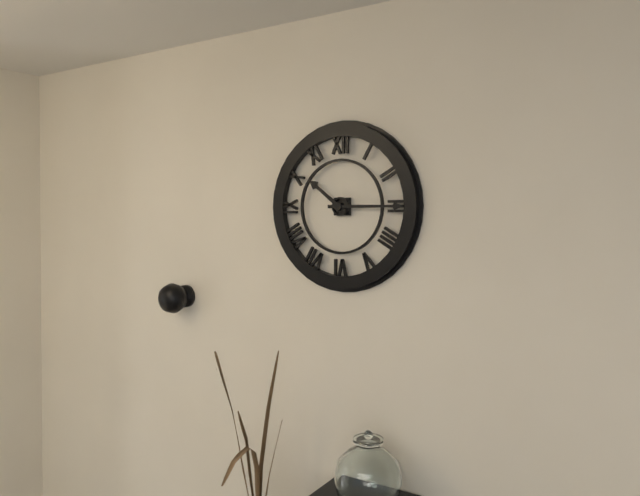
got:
10:15
